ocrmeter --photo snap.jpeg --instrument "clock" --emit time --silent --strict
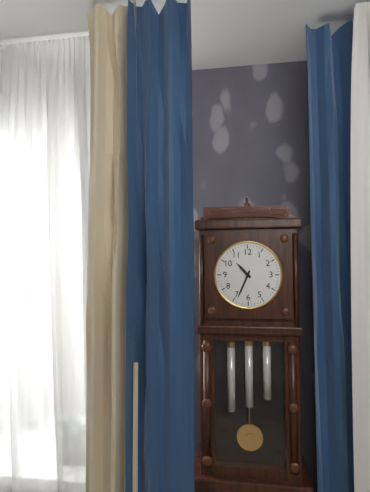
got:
10:34
